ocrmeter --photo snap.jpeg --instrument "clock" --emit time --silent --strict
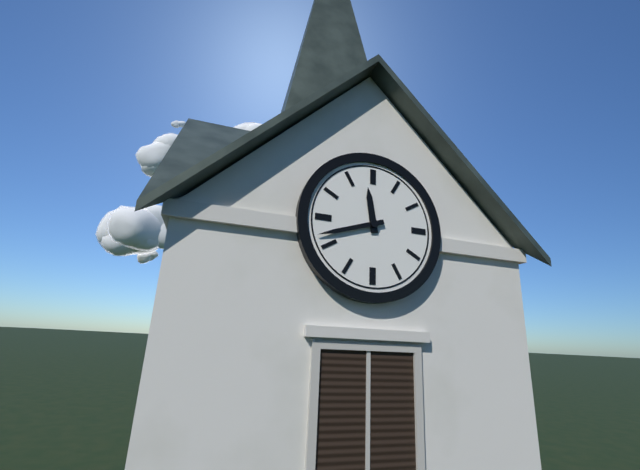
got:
11:42
